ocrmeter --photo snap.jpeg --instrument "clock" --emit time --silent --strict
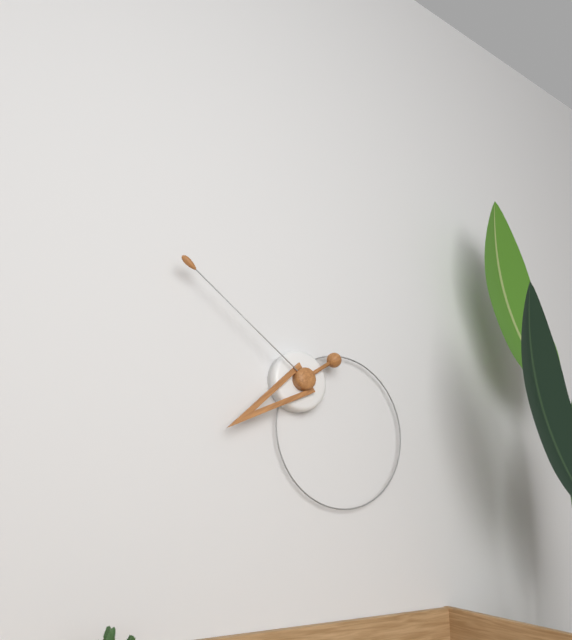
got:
7:51
